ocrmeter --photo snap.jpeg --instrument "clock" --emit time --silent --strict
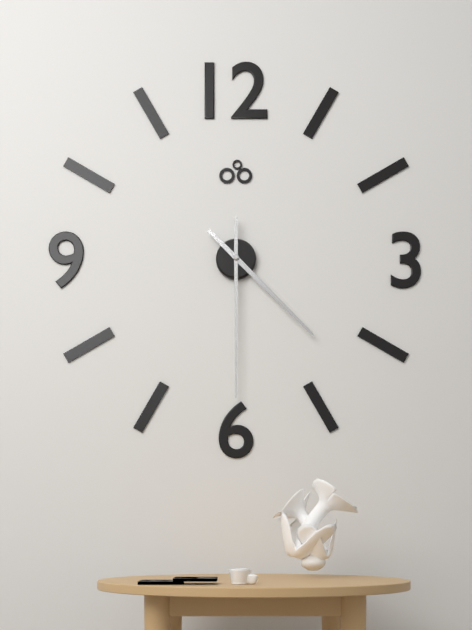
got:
4:30
